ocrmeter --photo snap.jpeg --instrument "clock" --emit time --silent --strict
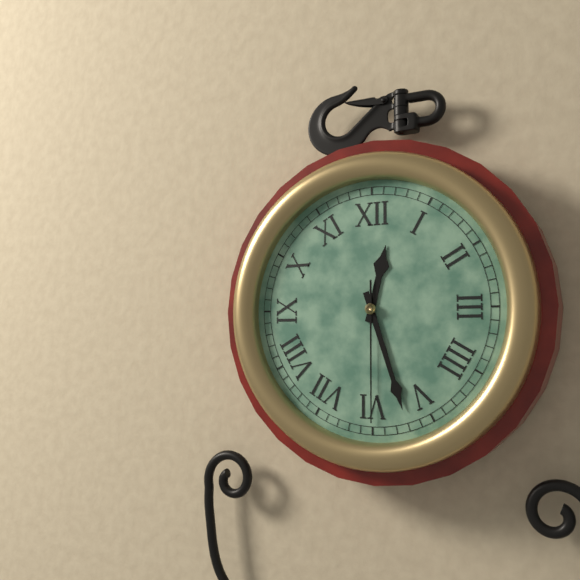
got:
12:27:30
